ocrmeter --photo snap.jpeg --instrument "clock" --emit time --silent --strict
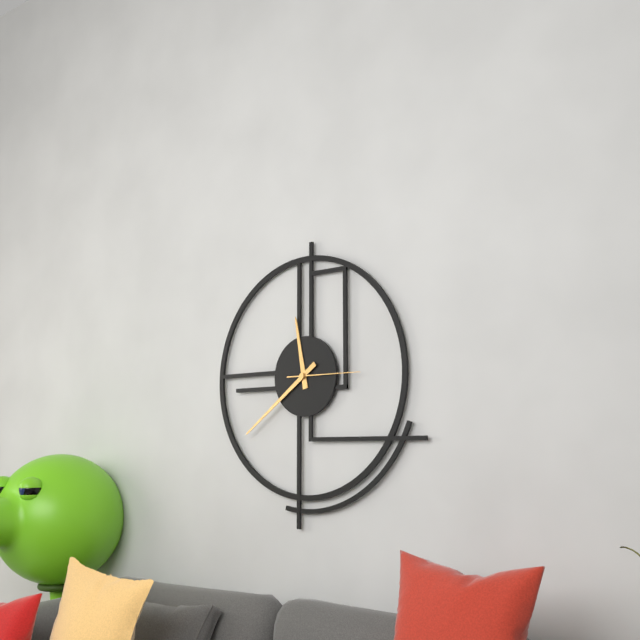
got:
11:39:15
